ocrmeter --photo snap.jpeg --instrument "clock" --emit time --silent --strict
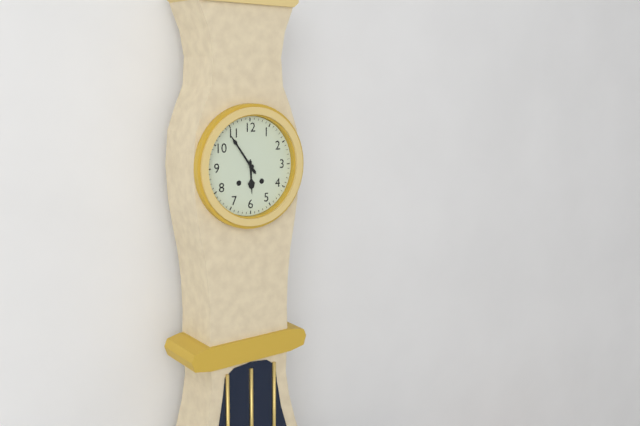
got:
5:54
